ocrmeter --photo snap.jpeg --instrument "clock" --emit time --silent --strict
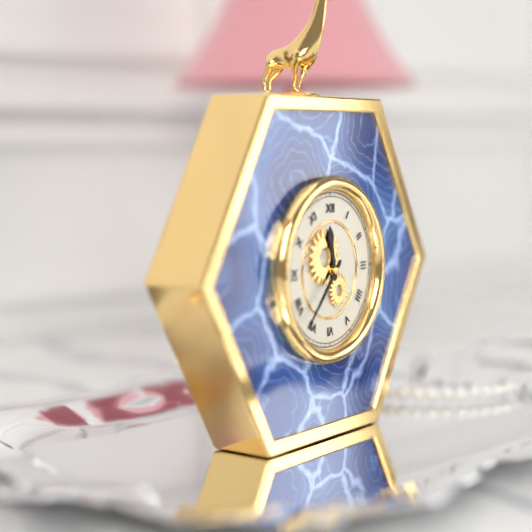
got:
11:37
